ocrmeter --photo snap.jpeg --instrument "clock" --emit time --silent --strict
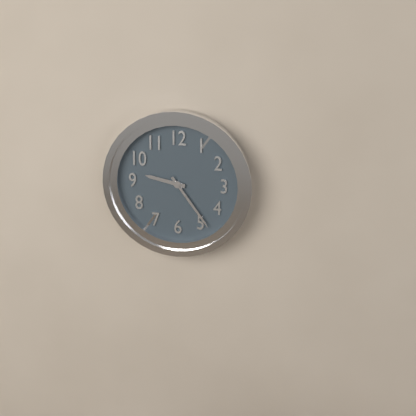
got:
9:24
